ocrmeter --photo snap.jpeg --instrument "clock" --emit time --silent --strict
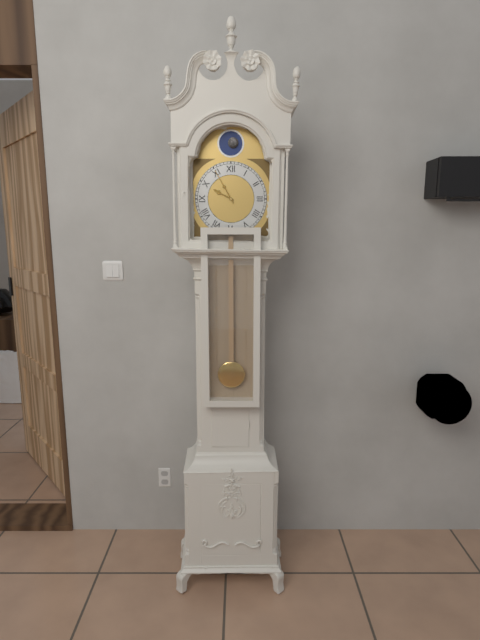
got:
9:55
